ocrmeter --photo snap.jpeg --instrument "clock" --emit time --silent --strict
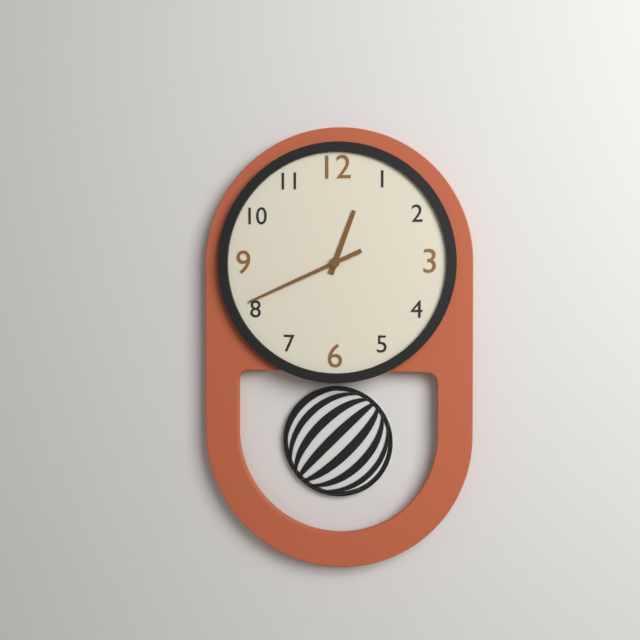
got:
12:41
